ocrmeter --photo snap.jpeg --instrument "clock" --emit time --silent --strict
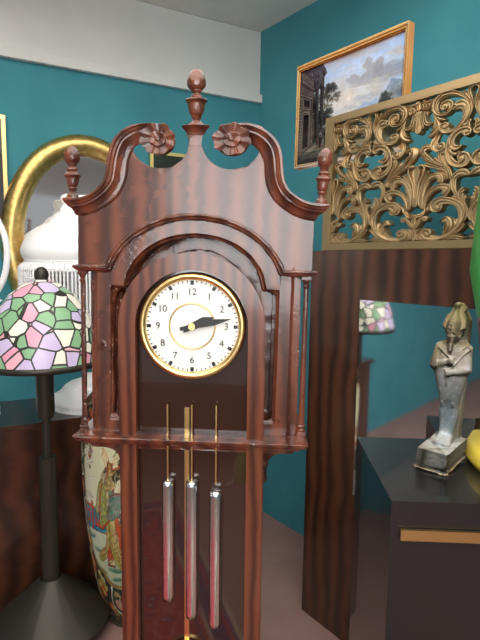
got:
2:13
